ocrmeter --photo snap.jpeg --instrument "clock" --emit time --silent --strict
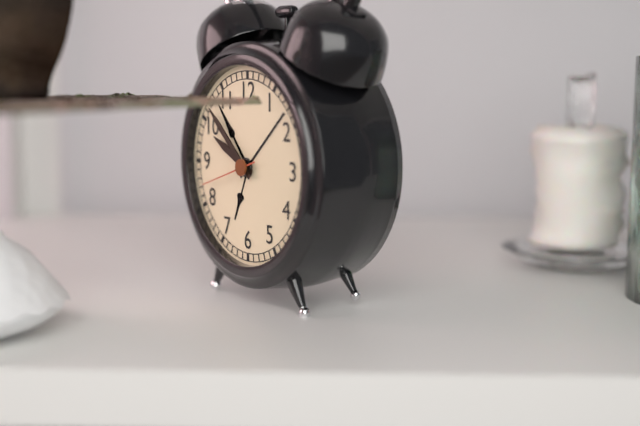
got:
9:52:42
